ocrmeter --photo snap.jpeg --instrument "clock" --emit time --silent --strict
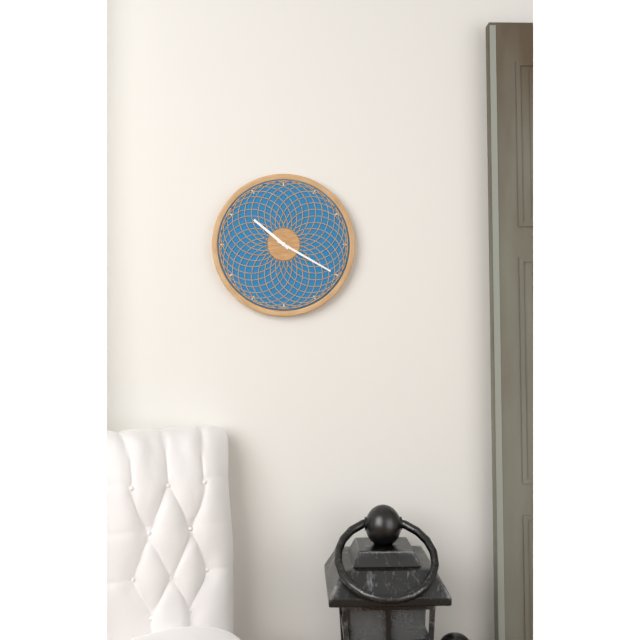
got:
10:20
